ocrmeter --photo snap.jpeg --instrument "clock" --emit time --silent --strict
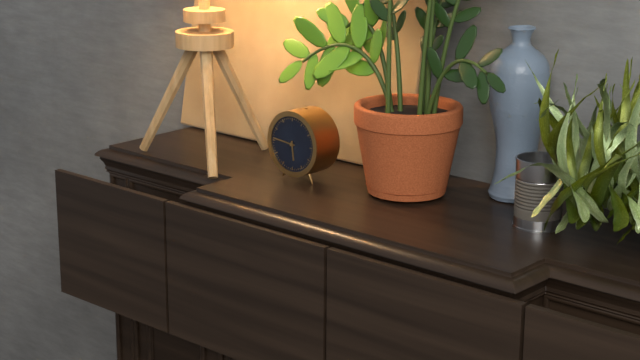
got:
5:46
